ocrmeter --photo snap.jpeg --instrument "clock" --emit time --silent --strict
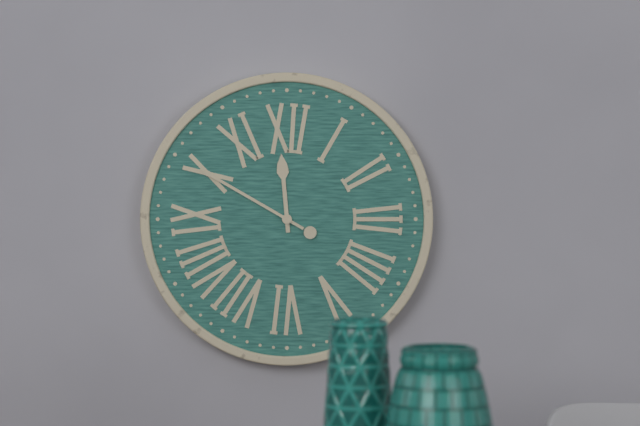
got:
11:50
